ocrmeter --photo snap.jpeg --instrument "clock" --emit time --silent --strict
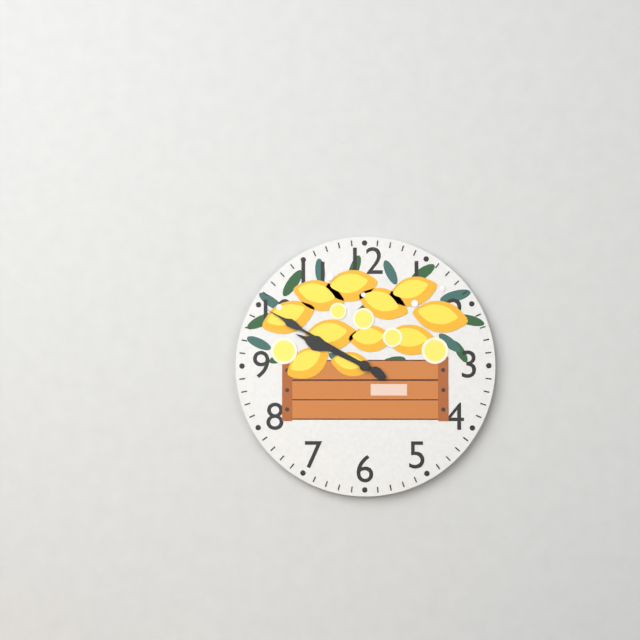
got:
9:50
